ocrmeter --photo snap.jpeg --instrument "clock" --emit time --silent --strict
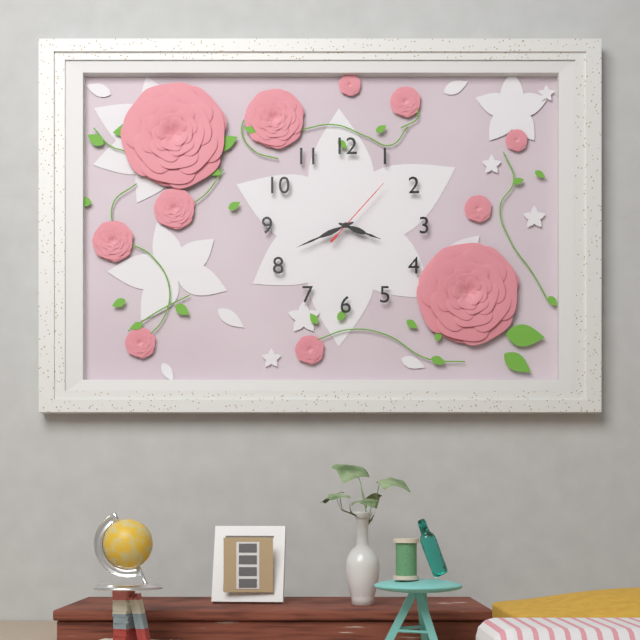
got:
3:41:07
